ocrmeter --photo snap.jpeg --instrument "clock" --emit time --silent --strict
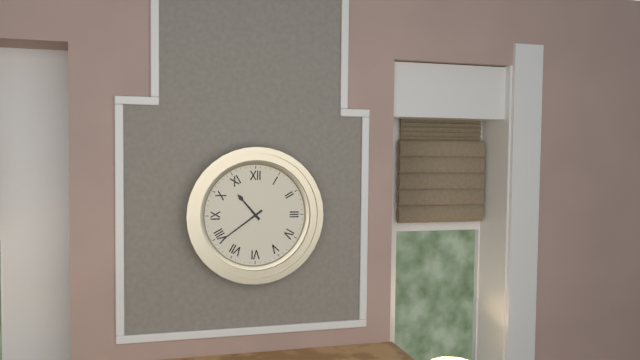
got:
10:39
